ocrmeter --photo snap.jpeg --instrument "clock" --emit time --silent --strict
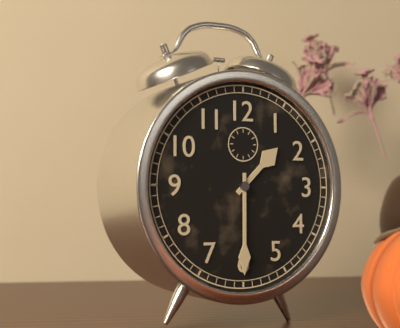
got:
1:30
